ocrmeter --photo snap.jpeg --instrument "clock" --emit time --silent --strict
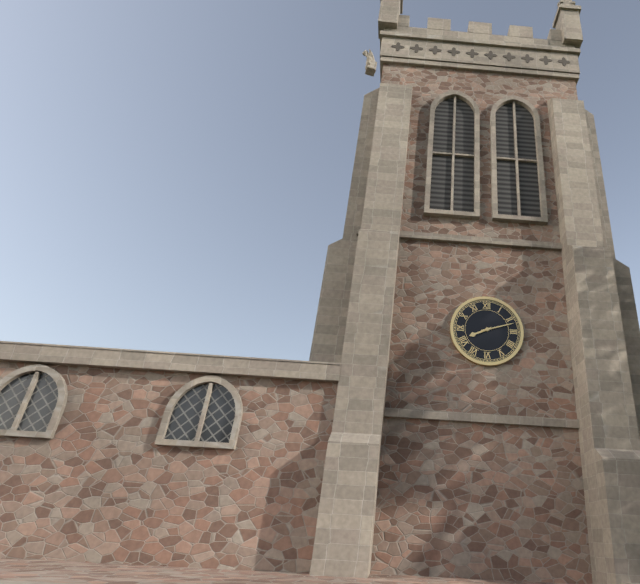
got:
8:12
